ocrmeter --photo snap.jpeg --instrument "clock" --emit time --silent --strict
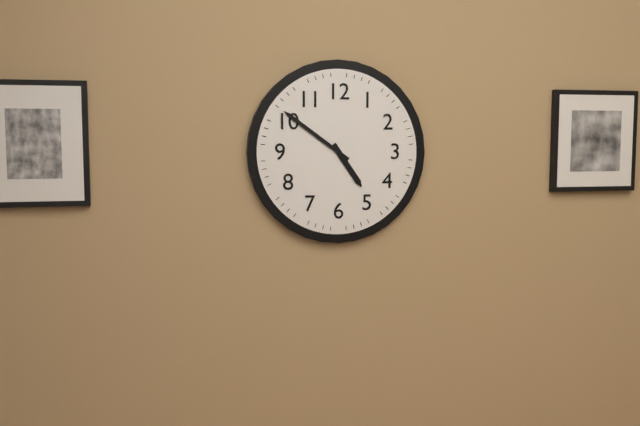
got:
4:51
